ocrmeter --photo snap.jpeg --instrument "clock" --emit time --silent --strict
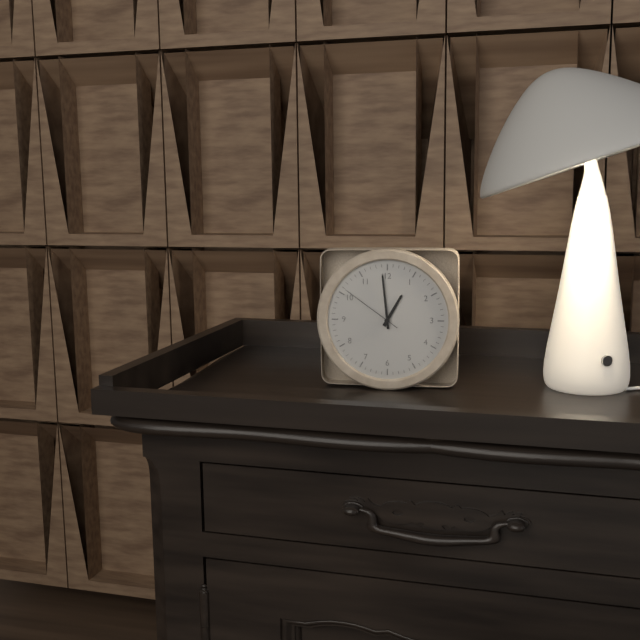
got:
12:59:51
